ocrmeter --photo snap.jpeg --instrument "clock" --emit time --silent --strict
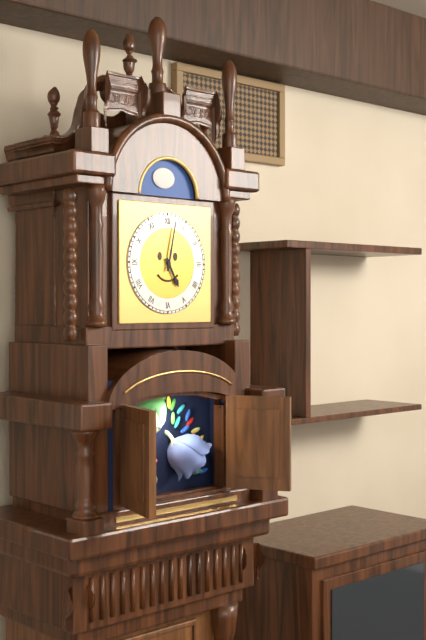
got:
5:02
